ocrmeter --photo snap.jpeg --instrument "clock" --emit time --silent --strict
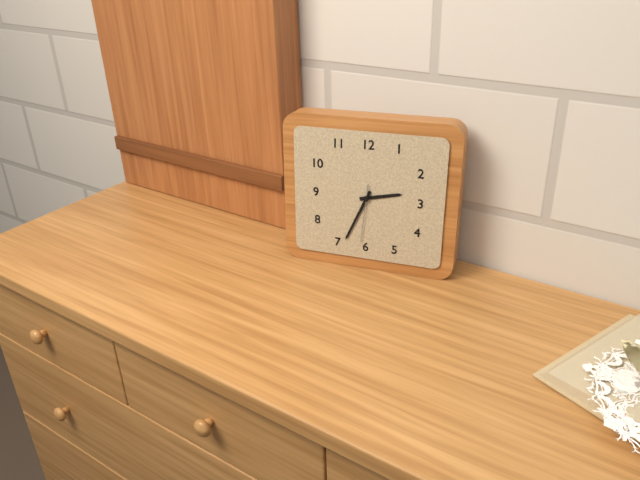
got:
2:34:31
